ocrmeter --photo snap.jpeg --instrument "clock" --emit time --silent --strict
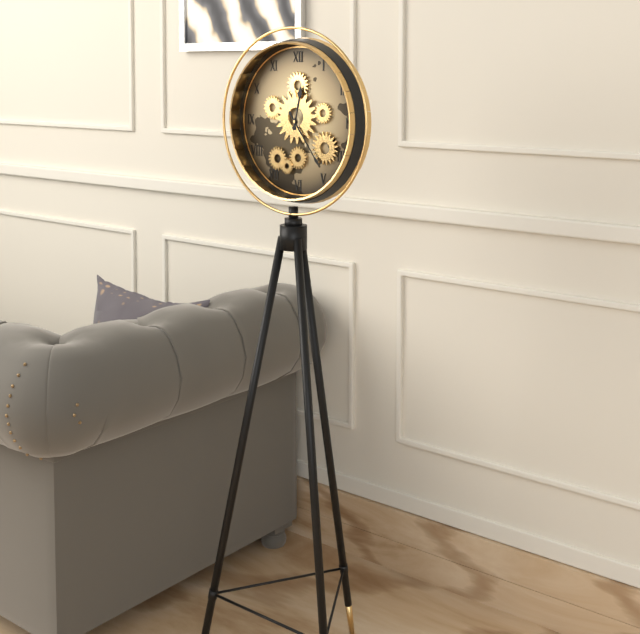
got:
12:24
